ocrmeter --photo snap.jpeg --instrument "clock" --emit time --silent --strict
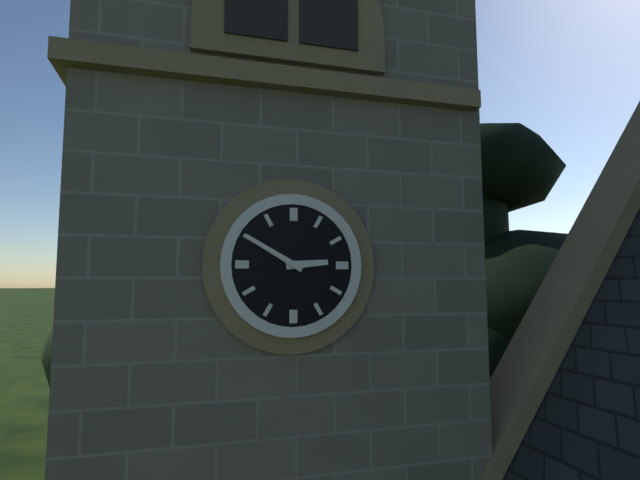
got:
2:50
